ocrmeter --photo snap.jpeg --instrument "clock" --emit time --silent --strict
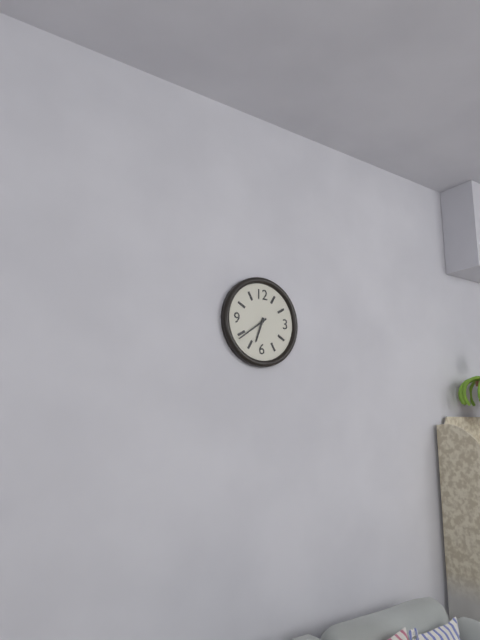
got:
6:39
